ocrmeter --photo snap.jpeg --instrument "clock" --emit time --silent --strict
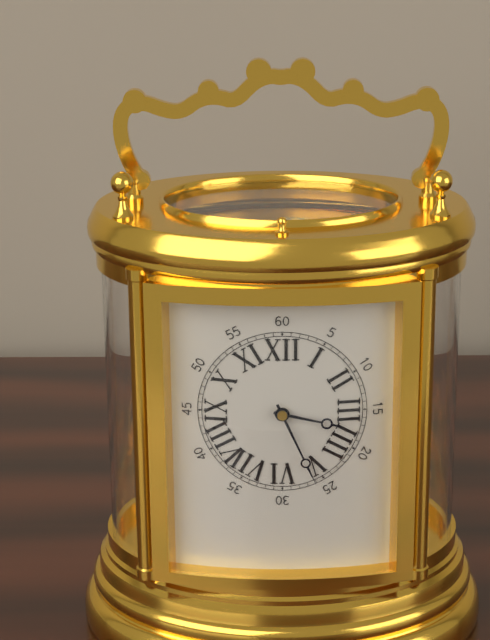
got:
3:26
